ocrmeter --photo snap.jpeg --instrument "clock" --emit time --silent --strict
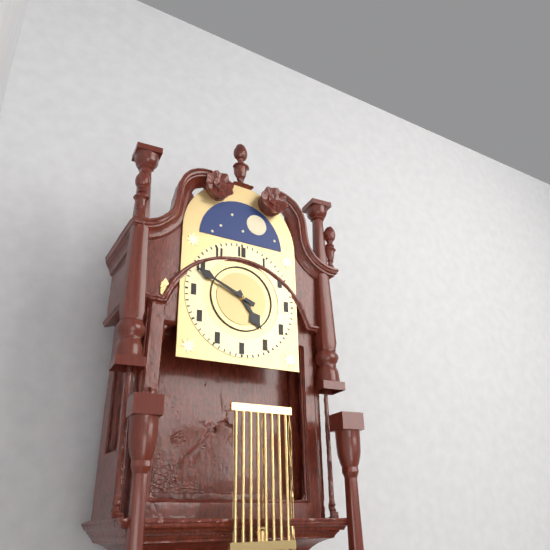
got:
4:49
